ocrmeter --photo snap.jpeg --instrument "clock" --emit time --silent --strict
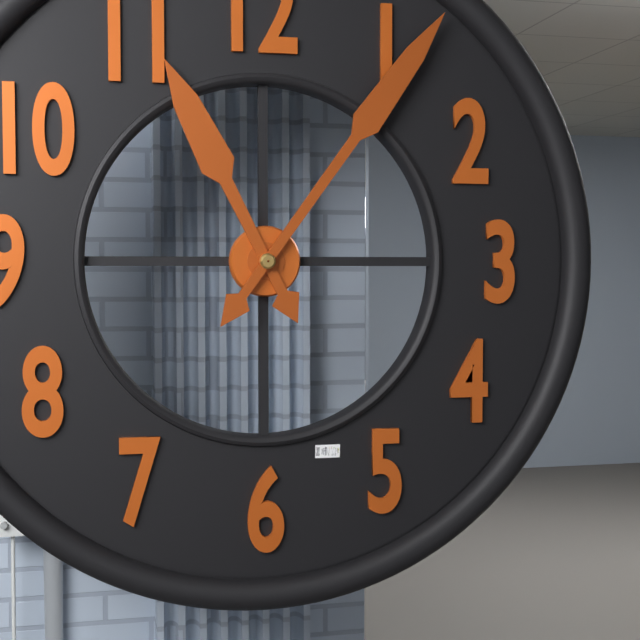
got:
11:06
